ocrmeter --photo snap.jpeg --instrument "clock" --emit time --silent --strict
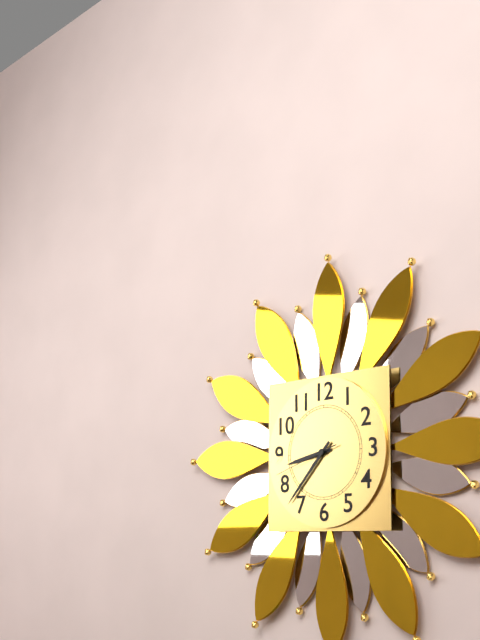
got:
8:37:42
